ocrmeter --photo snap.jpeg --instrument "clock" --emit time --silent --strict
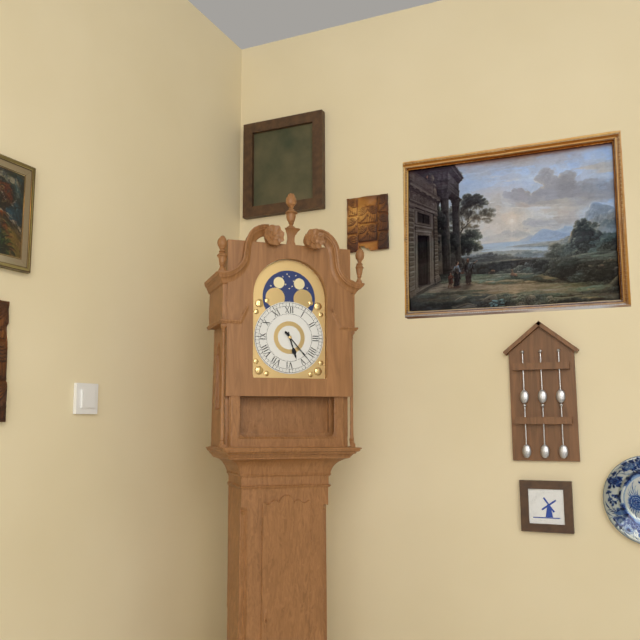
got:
5:23
